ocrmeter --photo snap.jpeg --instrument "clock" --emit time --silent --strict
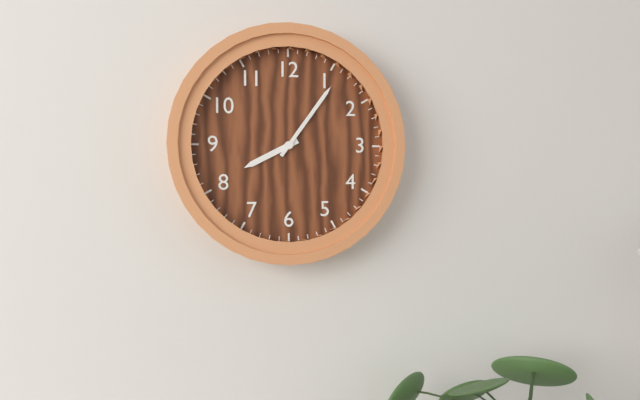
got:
8:06
